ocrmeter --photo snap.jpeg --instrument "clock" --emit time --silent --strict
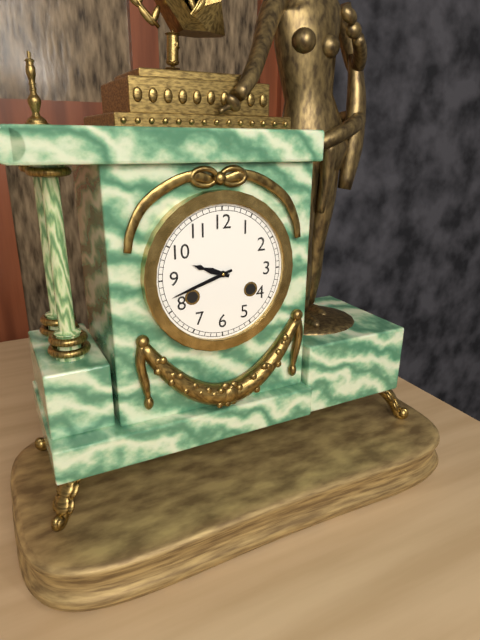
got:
9:42
